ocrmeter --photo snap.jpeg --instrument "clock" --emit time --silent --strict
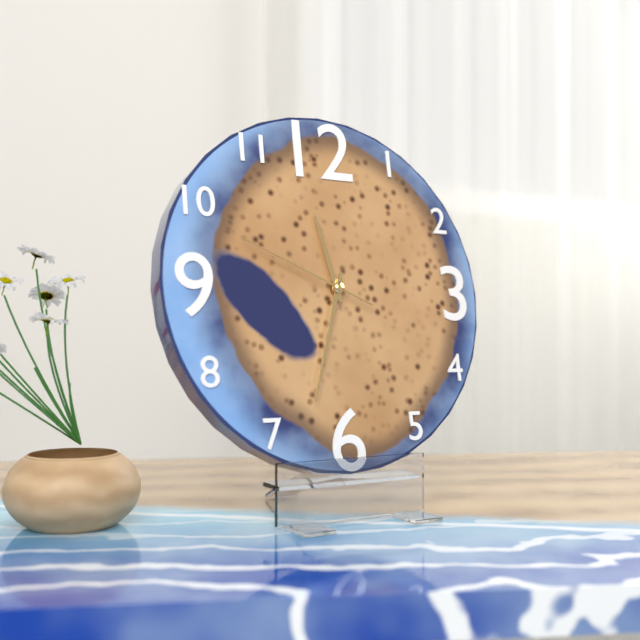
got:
11:33:49
